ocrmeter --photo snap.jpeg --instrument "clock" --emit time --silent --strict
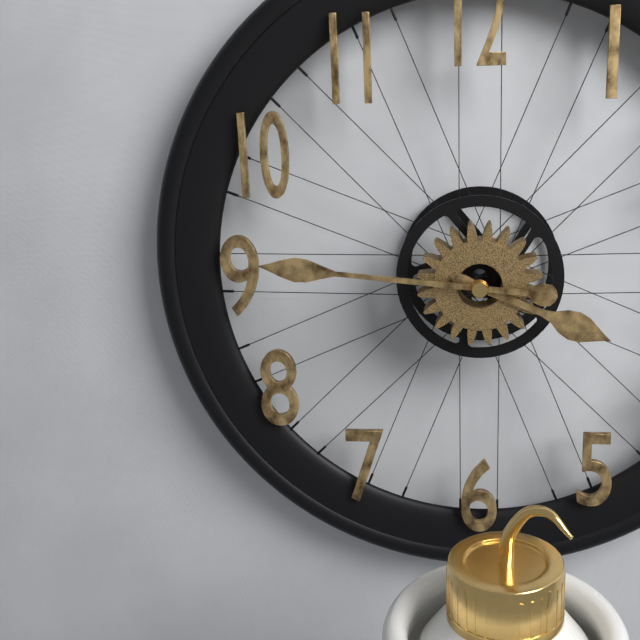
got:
3:46
